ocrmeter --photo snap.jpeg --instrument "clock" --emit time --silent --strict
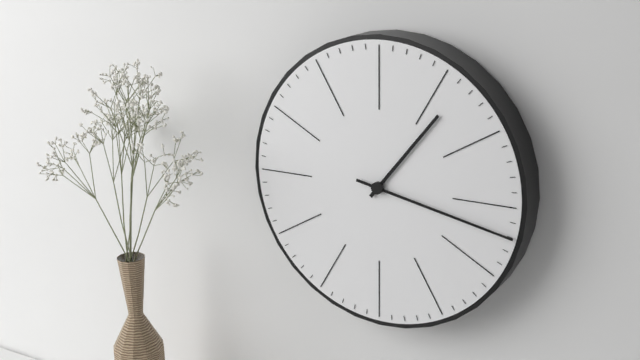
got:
1:17
